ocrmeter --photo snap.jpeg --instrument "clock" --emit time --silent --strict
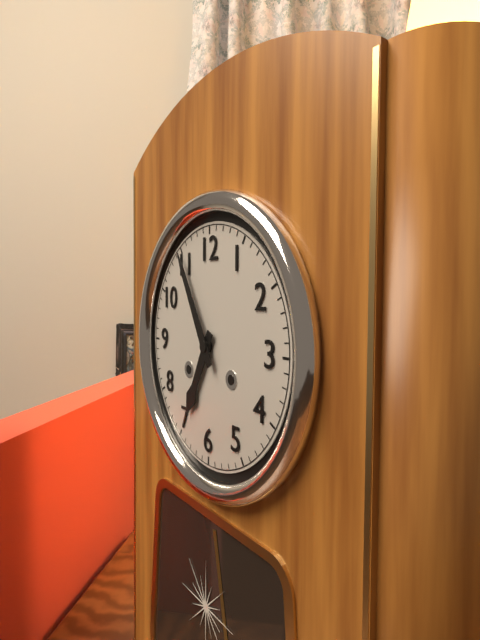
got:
6:55
